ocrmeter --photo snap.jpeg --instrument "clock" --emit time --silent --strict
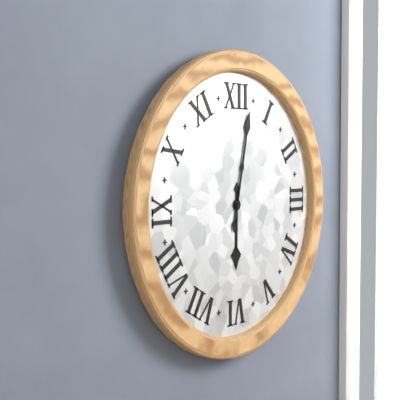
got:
6:02
